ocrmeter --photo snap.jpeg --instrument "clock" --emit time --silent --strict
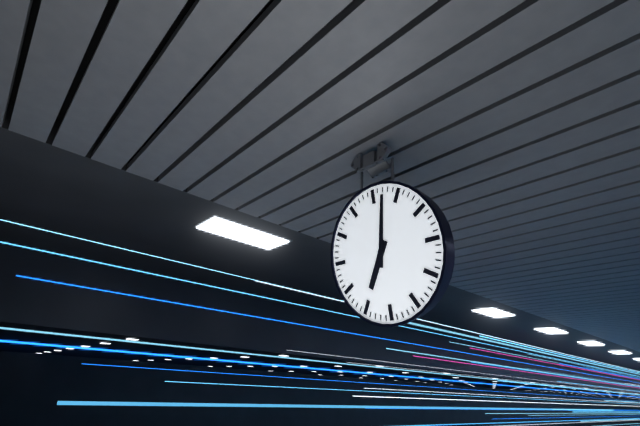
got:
7:02
